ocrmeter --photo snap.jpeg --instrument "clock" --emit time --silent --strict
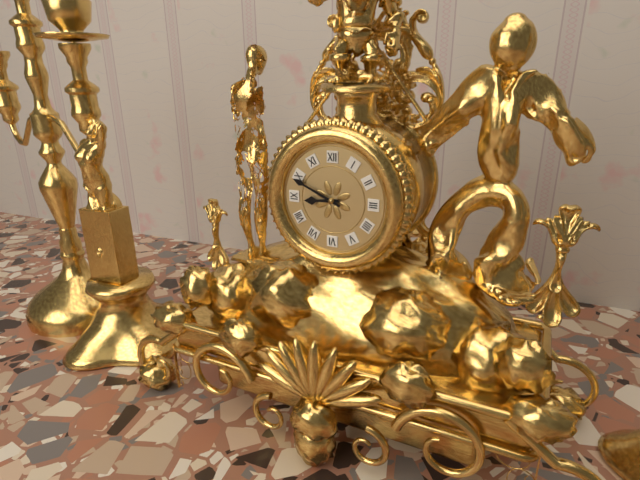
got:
8:49
